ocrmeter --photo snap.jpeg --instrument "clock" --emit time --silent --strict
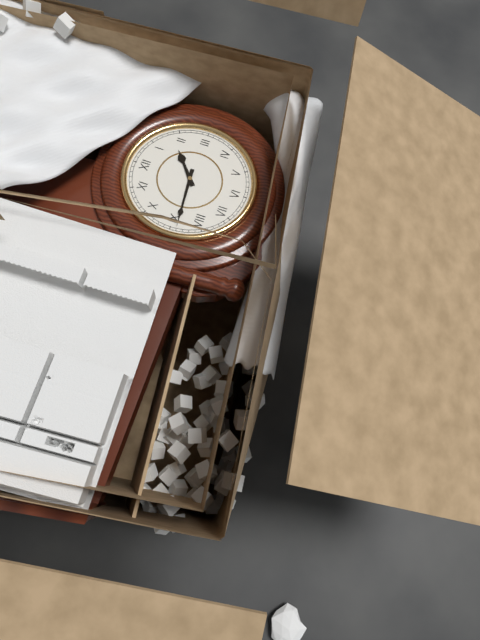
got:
1:44
